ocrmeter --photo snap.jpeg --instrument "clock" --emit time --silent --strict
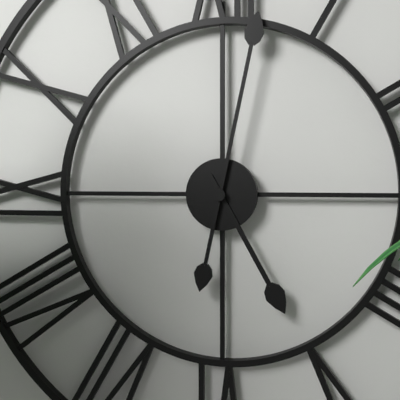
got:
5:02
